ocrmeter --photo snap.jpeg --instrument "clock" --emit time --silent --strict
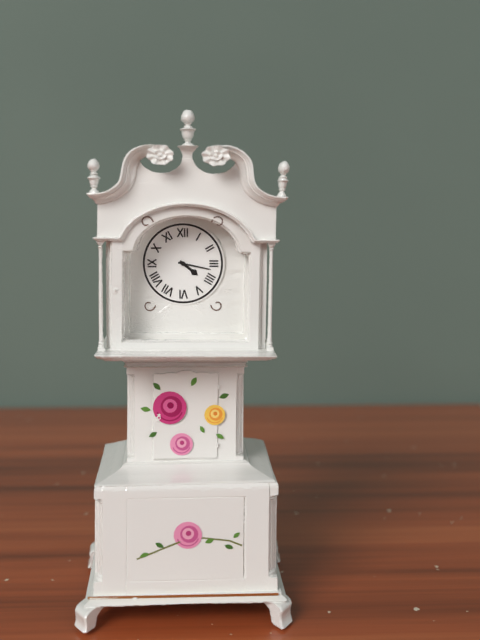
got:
4:17
